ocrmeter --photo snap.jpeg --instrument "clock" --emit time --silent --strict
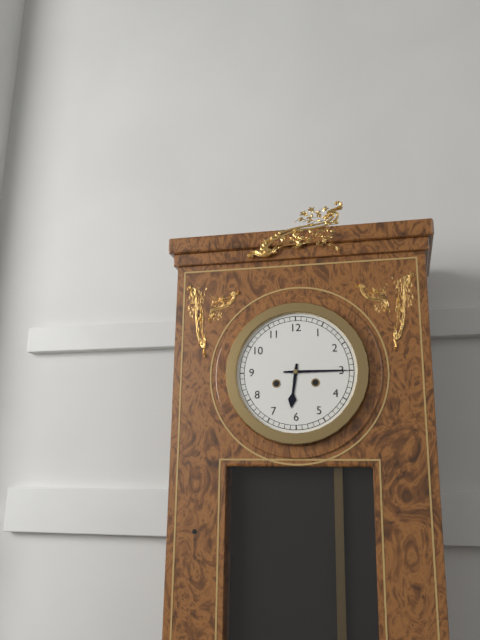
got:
6:15
